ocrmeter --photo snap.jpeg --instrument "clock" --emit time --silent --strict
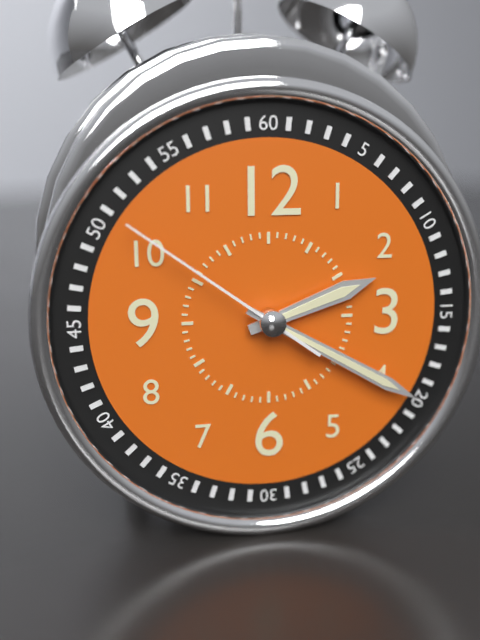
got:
2:20:51
